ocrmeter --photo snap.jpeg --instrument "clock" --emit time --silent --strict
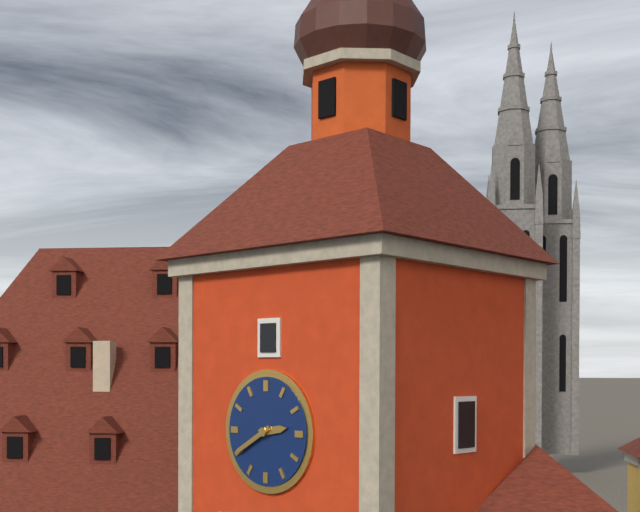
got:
2:40
